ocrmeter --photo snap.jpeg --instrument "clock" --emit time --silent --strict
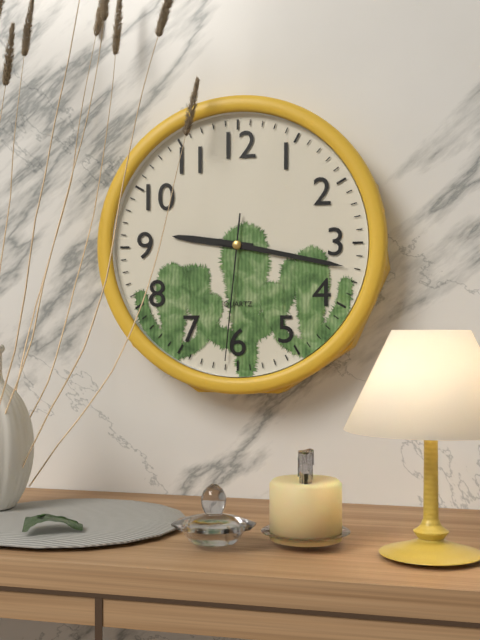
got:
9:17:31
